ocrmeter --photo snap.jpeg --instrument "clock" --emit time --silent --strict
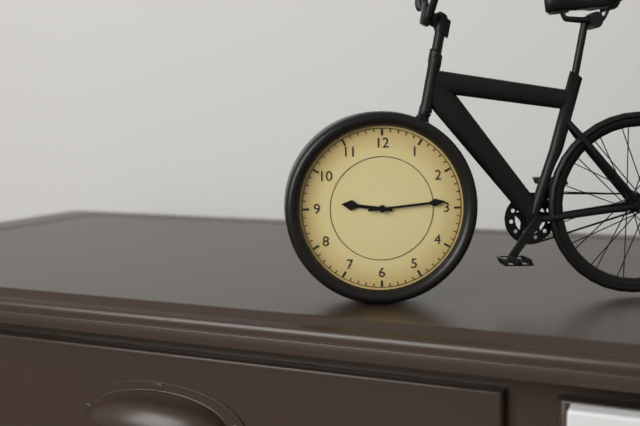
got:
9:14
